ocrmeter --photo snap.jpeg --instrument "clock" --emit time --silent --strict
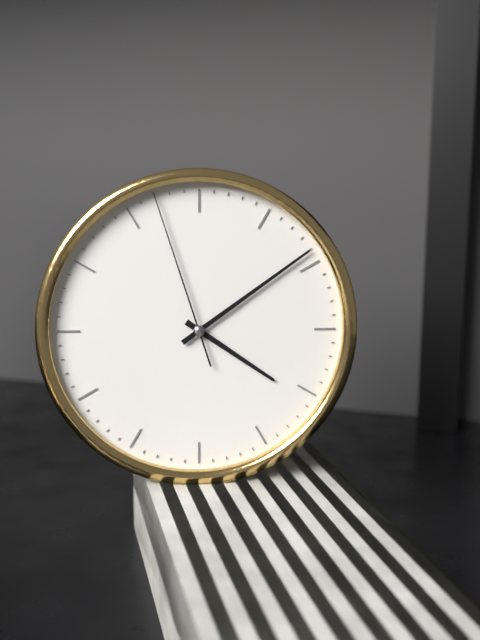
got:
4:09:57
